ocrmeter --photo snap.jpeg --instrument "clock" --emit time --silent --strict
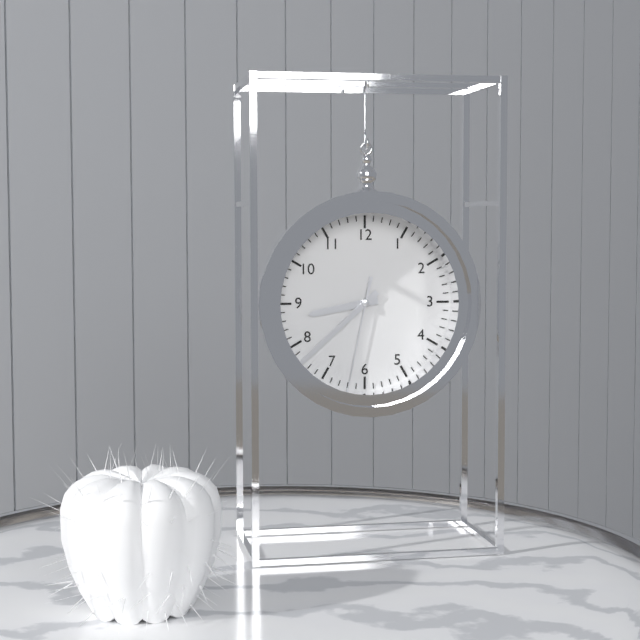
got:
8:38:32
